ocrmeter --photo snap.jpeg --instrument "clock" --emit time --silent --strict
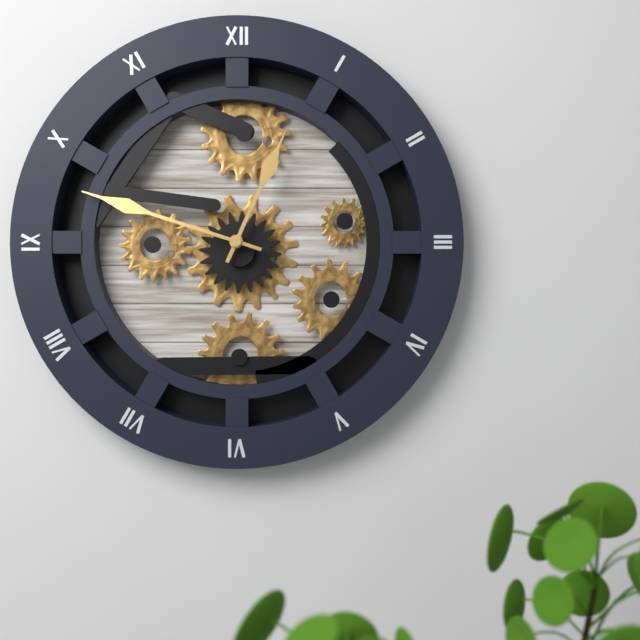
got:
12:48
